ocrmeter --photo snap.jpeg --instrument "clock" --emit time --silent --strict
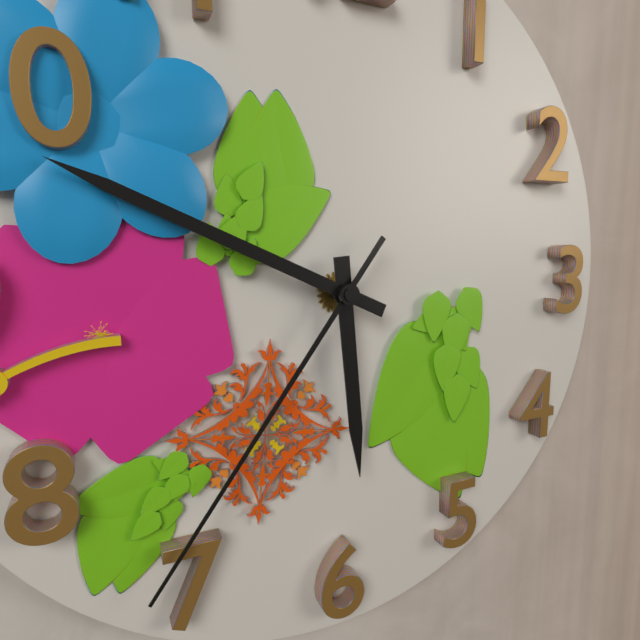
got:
5:49:36
